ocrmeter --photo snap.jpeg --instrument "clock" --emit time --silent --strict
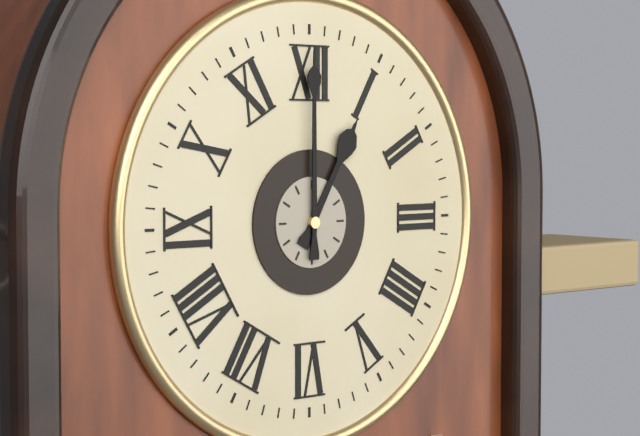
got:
1:00
